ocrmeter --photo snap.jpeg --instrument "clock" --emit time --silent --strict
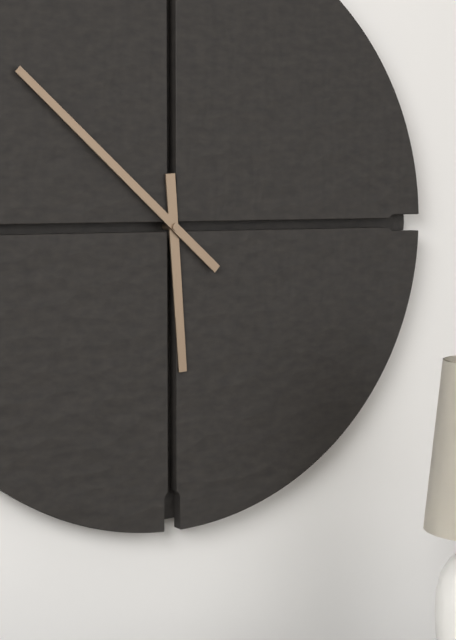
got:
5:52
